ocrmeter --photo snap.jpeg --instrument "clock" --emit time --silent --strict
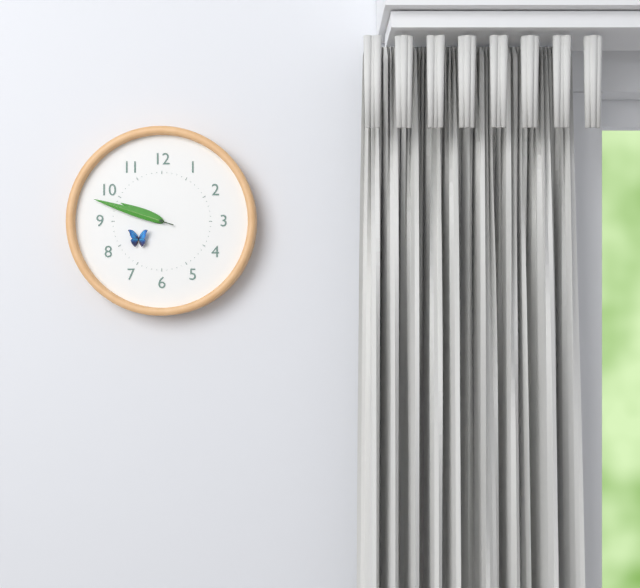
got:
9:48
